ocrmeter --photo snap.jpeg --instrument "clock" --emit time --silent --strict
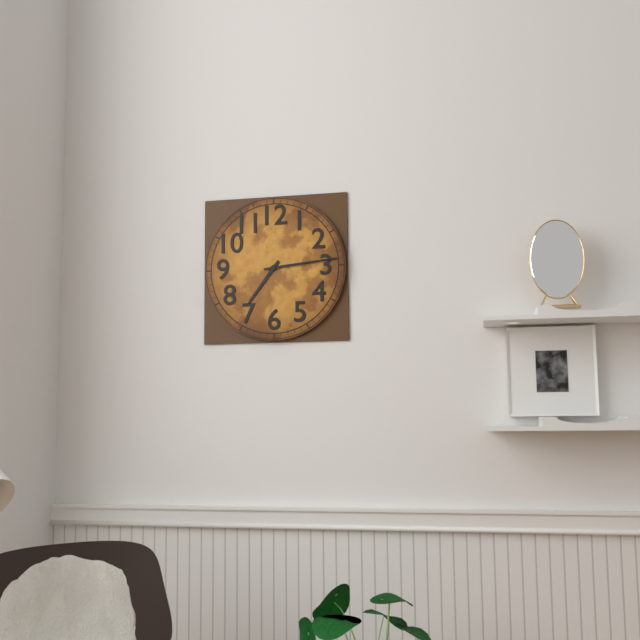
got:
7:14
